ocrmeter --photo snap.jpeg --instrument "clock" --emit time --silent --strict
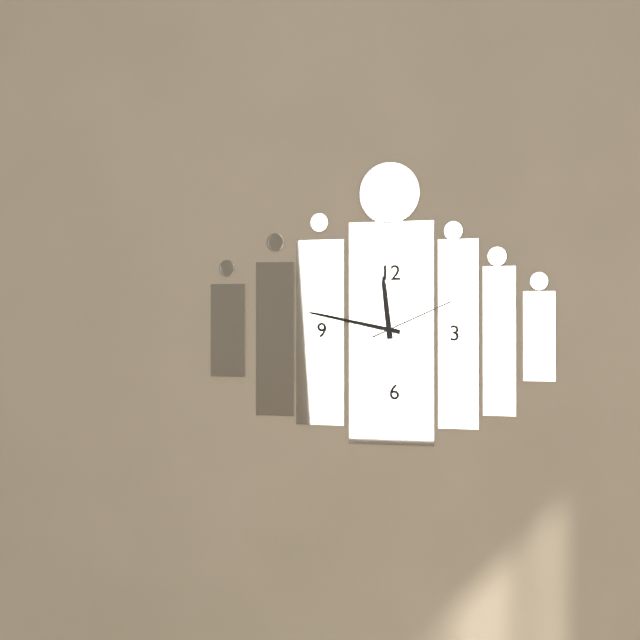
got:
11:47:11
